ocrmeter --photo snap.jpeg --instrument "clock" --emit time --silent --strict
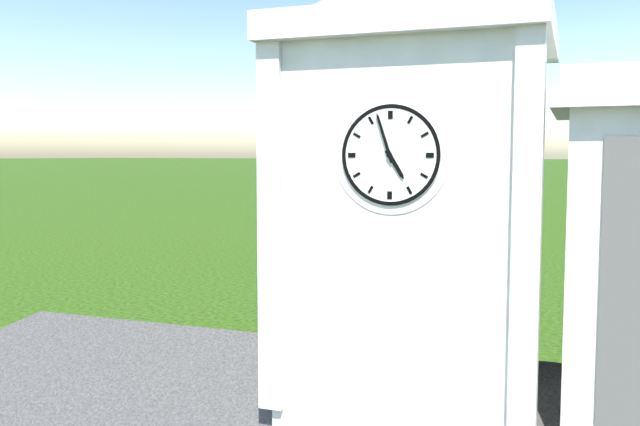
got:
4:57
